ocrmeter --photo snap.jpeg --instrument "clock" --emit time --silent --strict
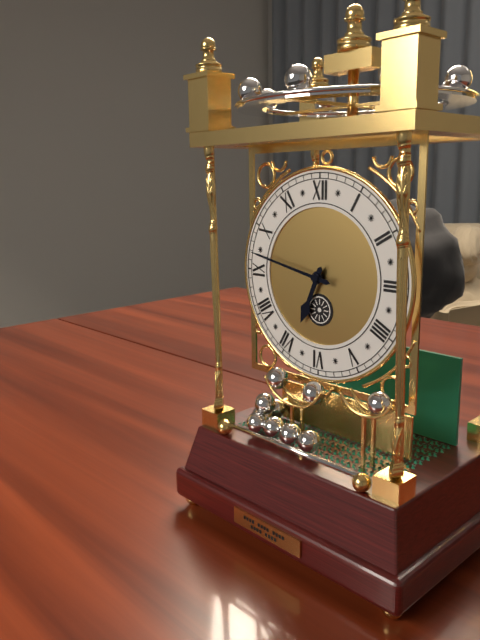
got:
6:47
